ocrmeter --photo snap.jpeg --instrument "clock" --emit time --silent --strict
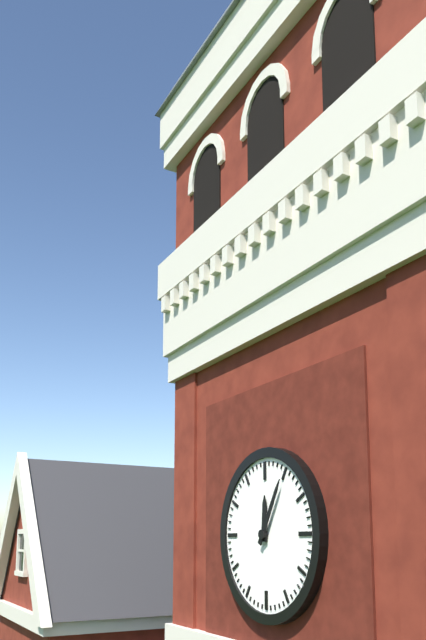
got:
12:05
